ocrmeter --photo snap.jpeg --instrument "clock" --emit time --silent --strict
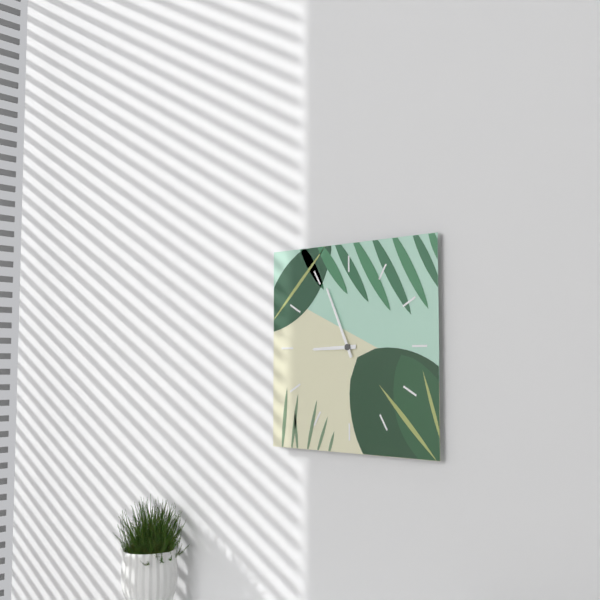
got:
8:56
